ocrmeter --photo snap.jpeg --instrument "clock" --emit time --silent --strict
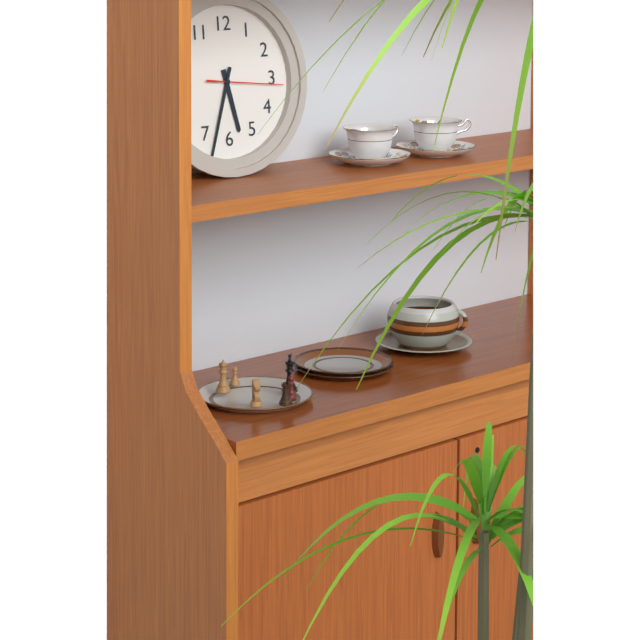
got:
5:33:16
